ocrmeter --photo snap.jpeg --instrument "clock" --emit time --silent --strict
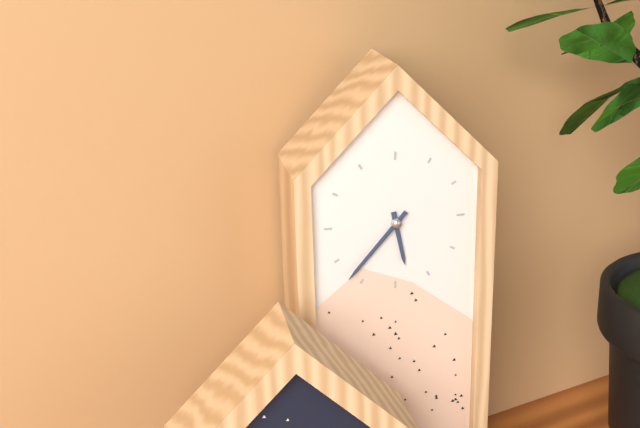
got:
5:37
